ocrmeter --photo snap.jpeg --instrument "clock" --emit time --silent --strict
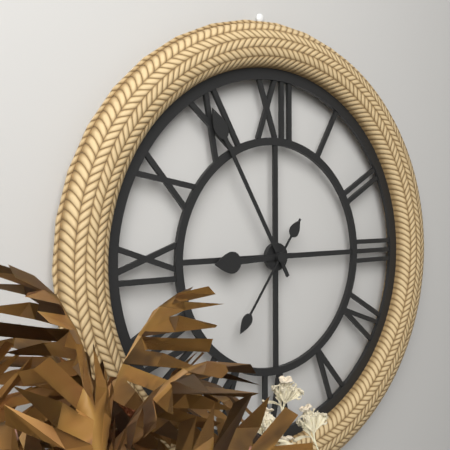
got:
8:55:36
